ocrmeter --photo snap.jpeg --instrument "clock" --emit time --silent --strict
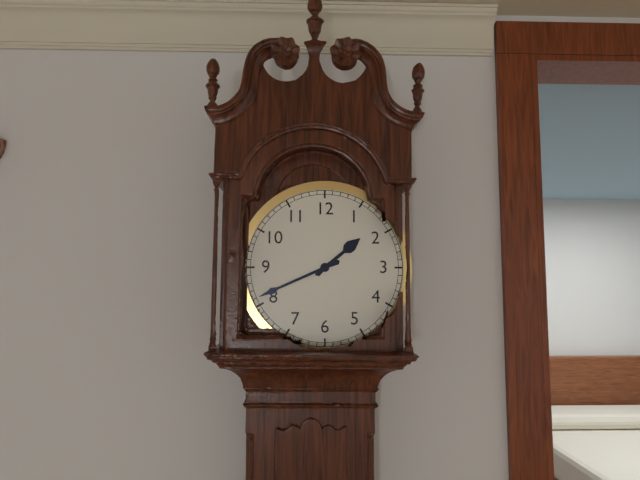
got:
1:41
